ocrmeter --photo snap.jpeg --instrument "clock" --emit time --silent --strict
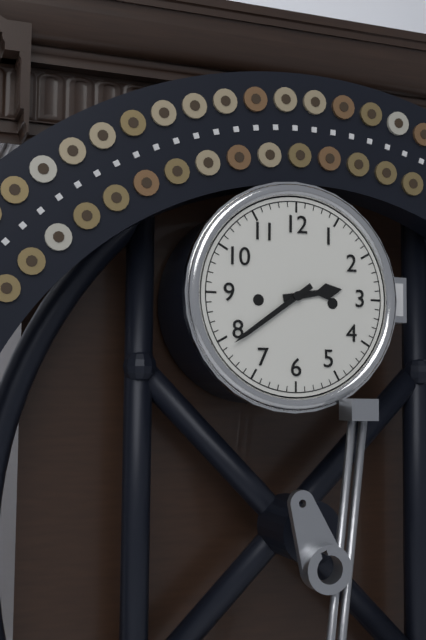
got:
2:39
